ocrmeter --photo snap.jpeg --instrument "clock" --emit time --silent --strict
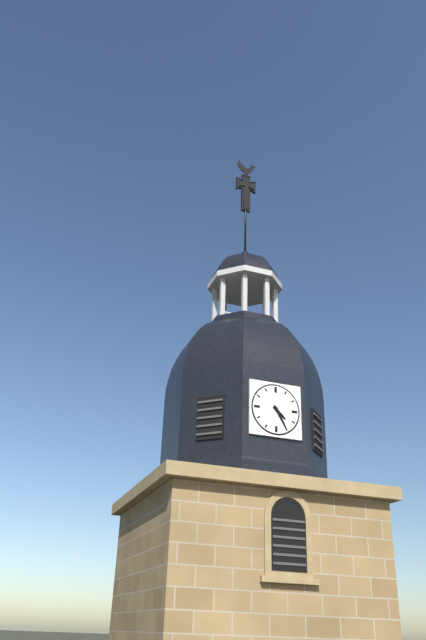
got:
4:25
